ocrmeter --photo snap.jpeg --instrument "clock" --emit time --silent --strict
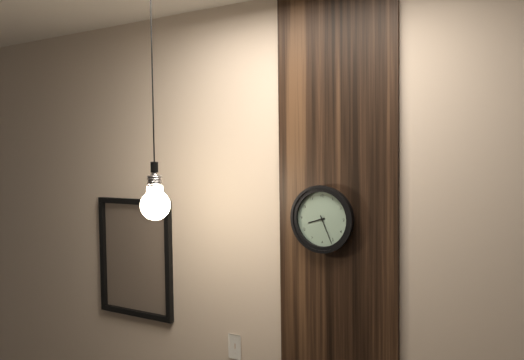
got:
8:26
